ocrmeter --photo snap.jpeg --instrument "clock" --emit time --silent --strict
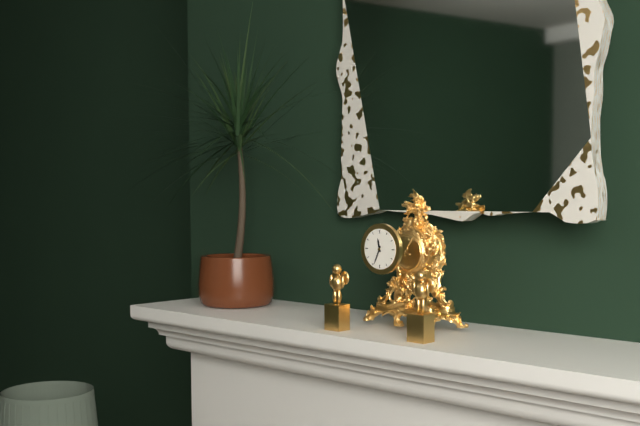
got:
11:34
